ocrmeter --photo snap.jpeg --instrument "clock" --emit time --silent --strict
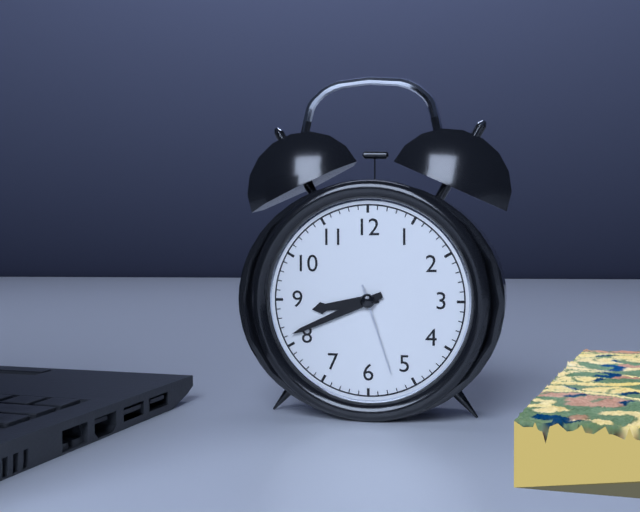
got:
8:41:27
